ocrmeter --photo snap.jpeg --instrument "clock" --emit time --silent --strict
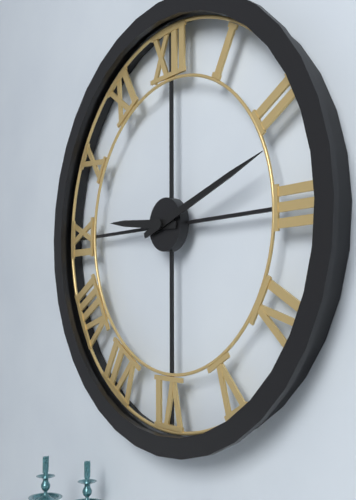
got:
9:12
